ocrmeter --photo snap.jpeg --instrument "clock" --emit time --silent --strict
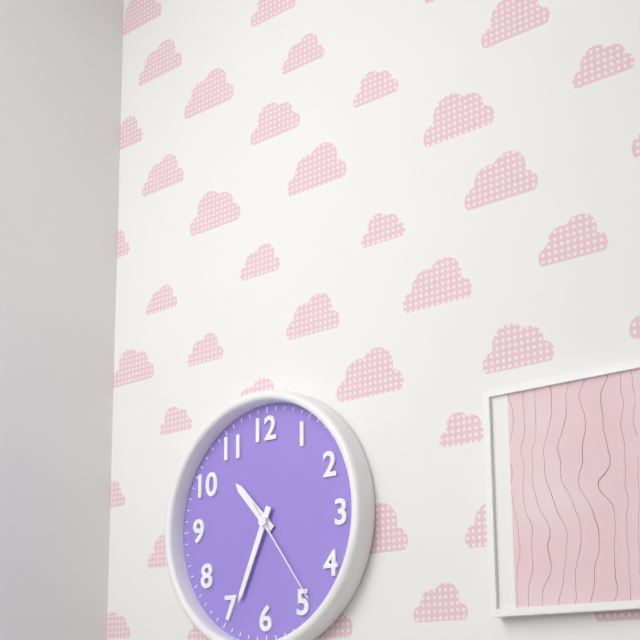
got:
10:34:24
